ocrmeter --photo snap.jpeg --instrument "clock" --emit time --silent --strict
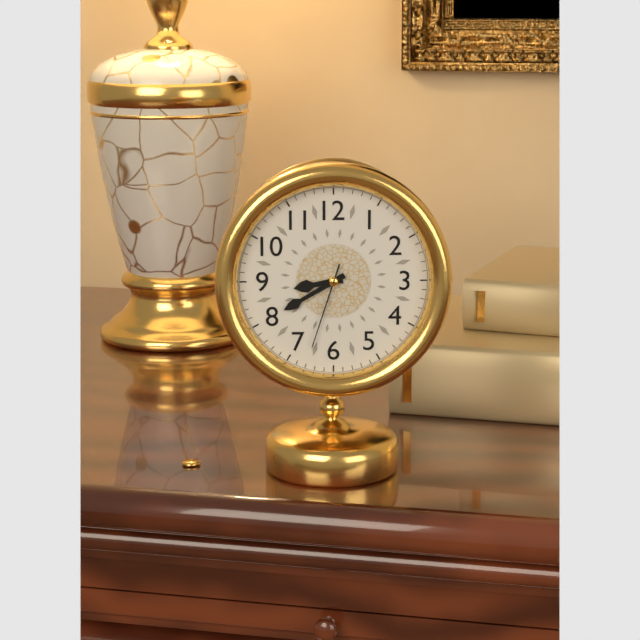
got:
8:40:33
